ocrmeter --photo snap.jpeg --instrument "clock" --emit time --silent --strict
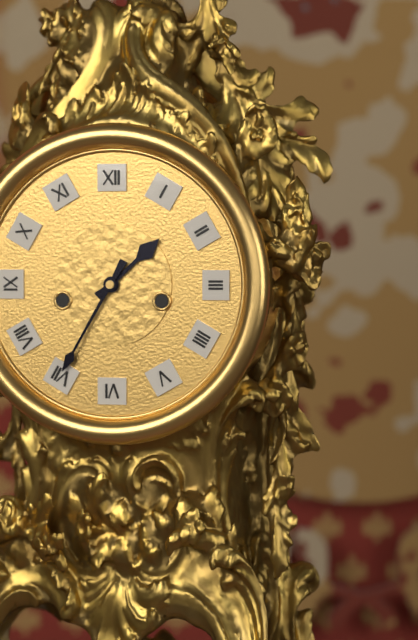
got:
1:35
